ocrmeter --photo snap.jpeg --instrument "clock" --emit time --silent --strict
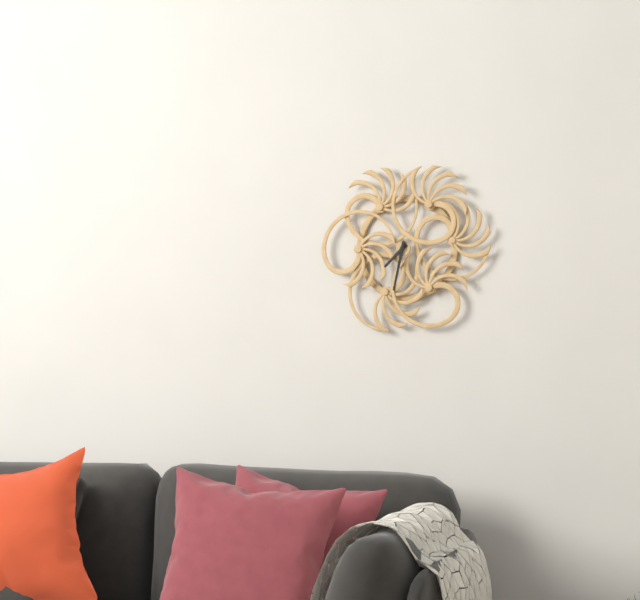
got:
7:32
